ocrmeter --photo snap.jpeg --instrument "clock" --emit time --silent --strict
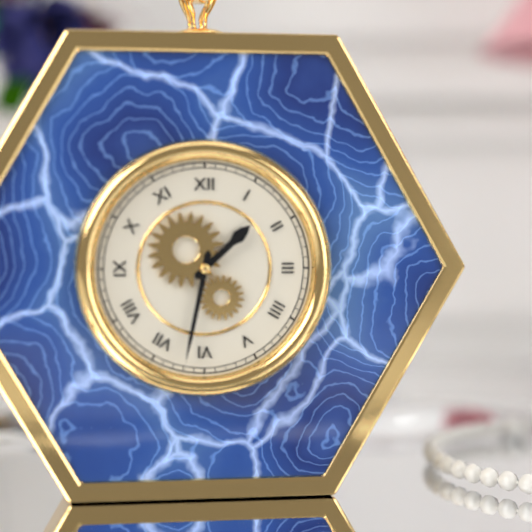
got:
1:32
